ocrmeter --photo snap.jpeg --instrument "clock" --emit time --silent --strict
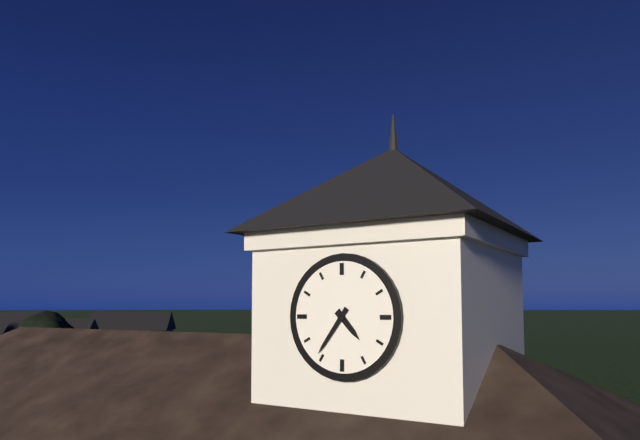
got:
4:36
